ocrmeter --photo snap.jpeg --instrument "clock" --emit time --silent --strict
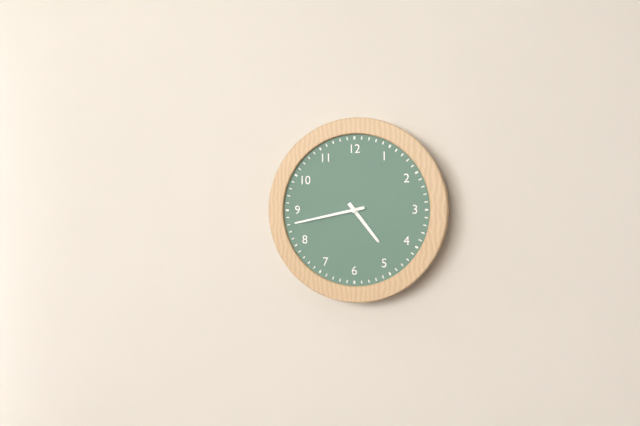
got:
4:43
